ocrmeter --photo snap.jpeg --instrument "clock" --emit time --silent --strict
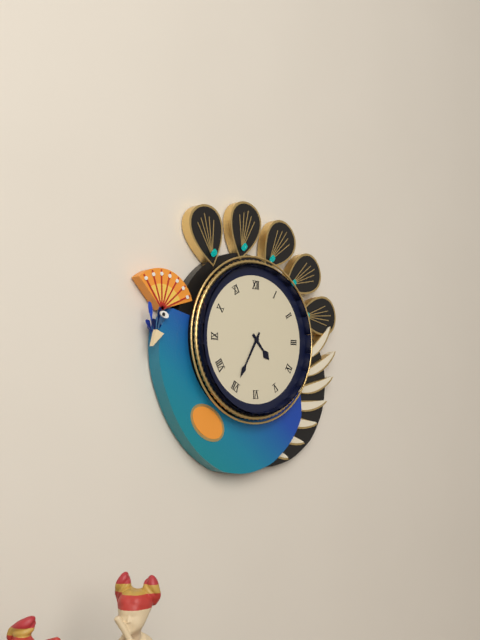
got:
4:35
